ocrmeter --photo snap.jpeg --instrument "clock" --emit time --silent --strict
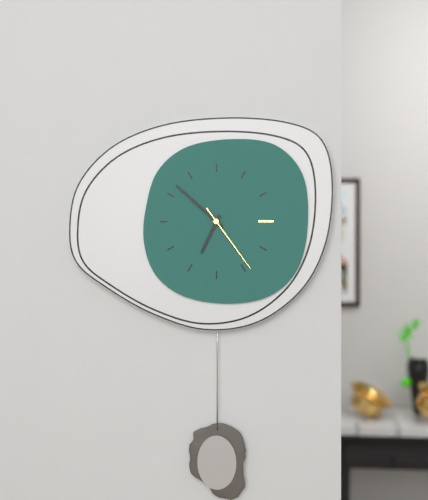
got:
6:52:24
